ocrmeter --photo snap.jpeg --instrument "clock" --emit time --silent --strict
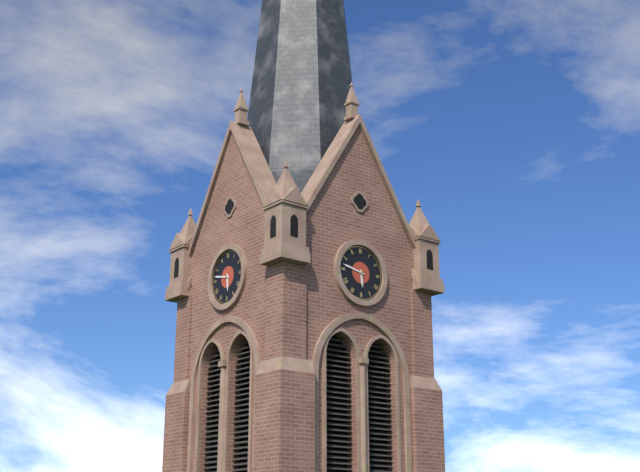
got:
5:47
